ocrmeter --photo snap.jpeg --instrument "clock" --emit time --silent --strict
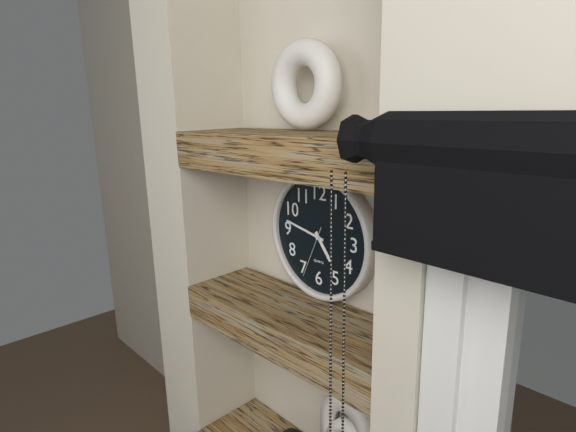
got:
4:47:34
